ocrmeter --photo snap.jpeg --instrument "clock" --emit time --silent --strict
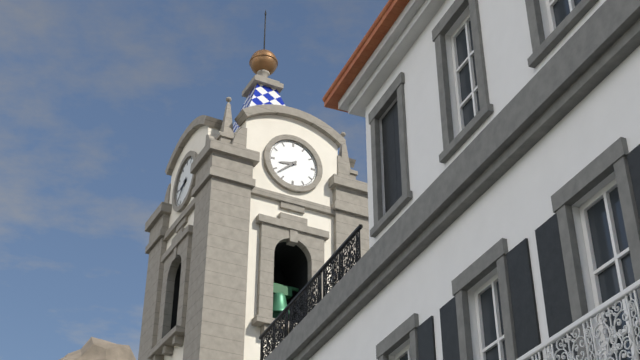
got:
8:38
